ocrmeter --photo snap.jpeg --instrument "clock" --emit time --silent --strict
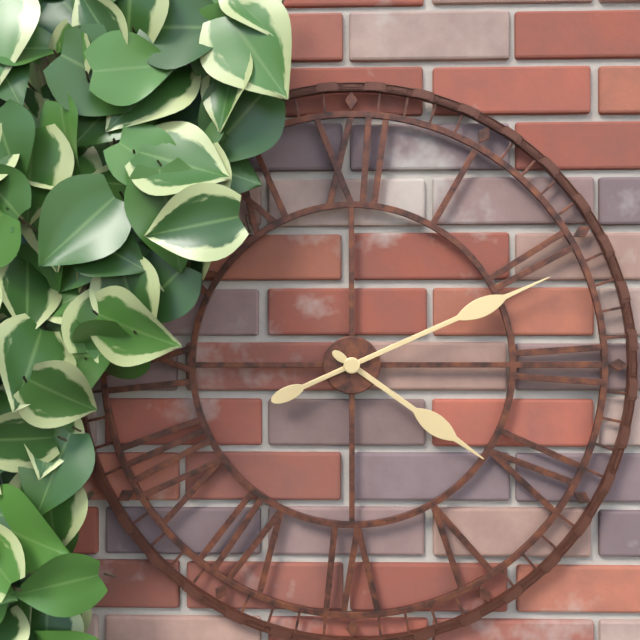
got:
4:11
